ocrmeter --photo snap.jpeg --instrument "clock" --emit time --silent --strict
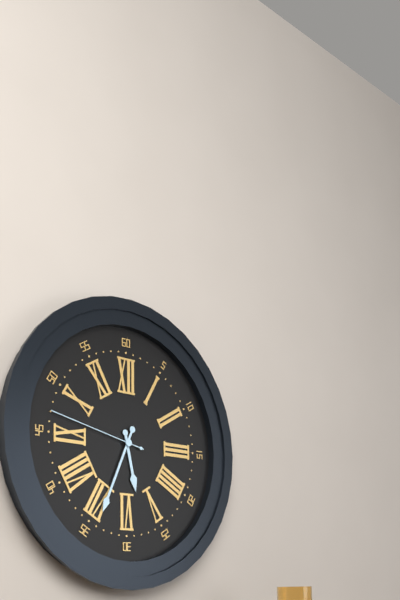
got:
5:34:47
